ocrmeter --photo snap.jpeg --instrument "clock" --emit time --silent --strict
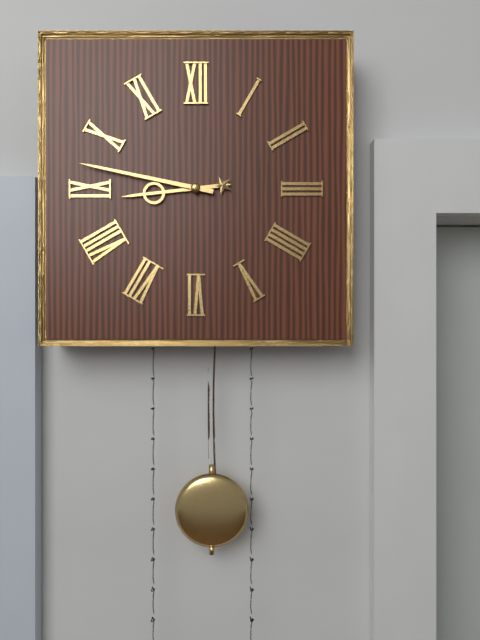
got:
8:47
